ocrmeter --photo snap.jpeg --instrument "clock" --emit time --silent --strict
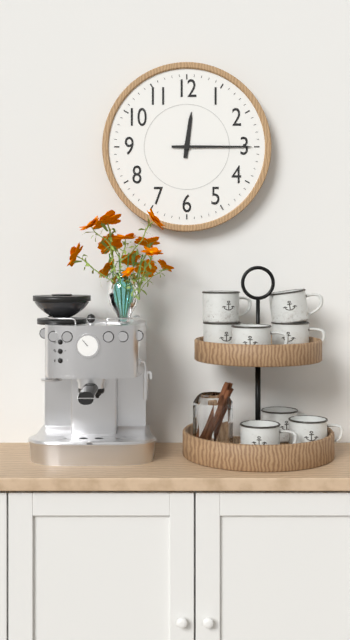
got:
12:15
